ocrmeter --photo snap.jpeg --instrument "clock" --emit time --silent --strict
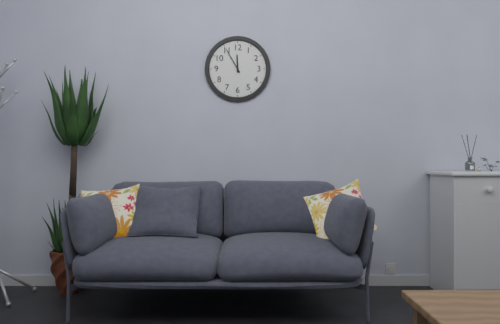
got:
11:55
